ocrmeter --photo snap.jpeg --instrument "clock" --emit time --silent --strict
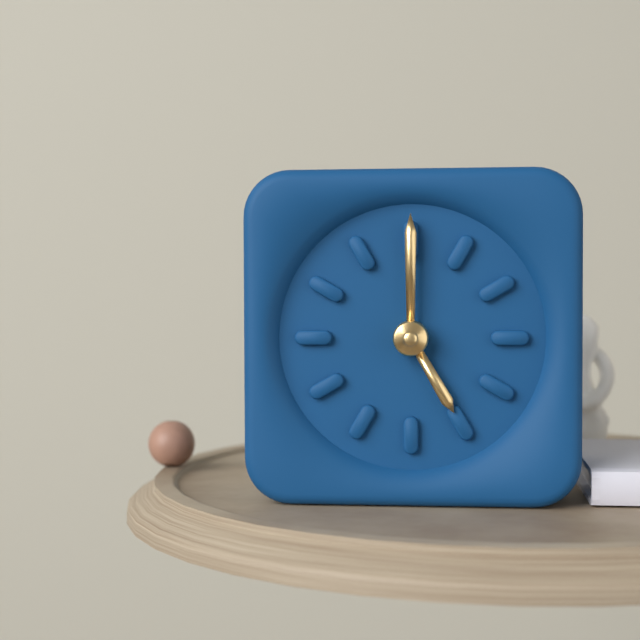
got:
5:00
